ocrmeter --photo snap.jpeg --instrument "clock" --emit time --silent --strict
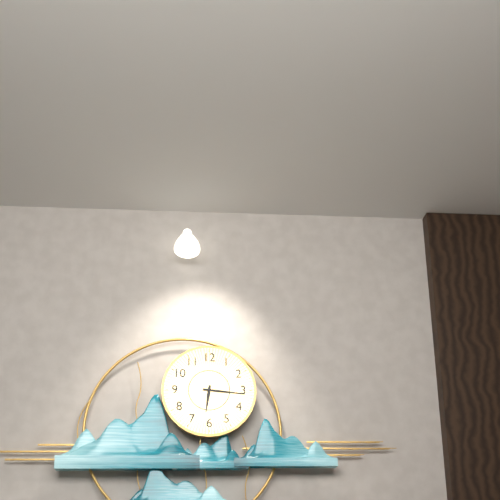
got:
6:16
